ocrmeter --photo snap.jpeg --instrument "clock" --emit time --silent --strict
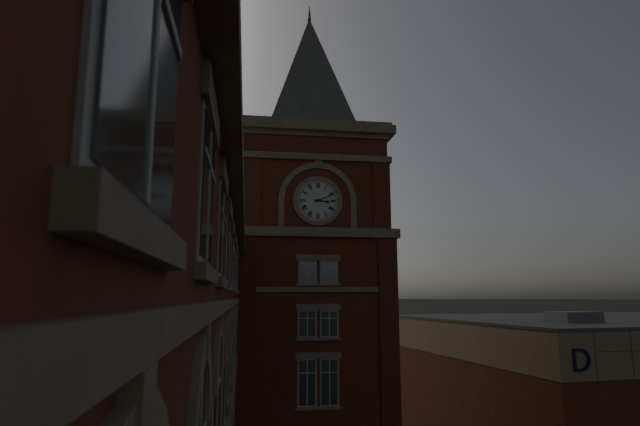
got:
3:11
